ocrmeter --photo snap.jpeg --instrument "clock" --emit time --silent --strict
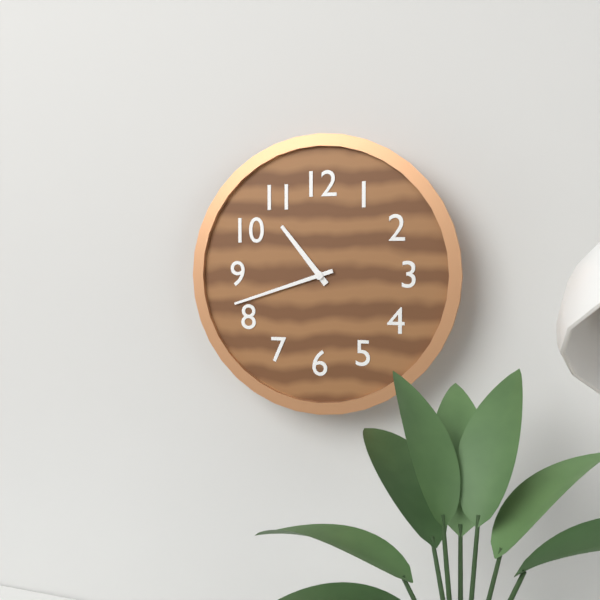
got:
10:42
